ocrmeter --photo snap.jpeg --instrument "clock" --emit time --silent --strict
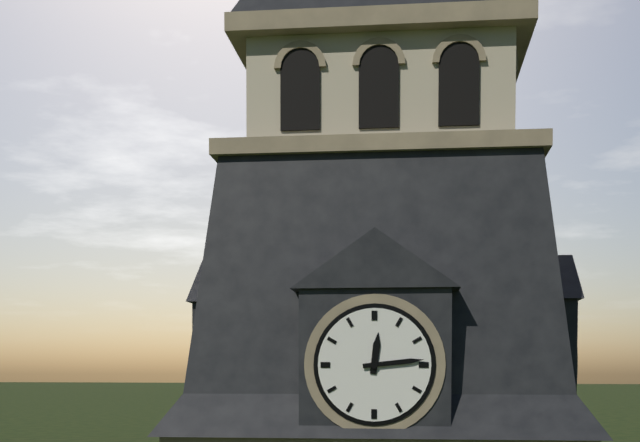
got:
12:14
